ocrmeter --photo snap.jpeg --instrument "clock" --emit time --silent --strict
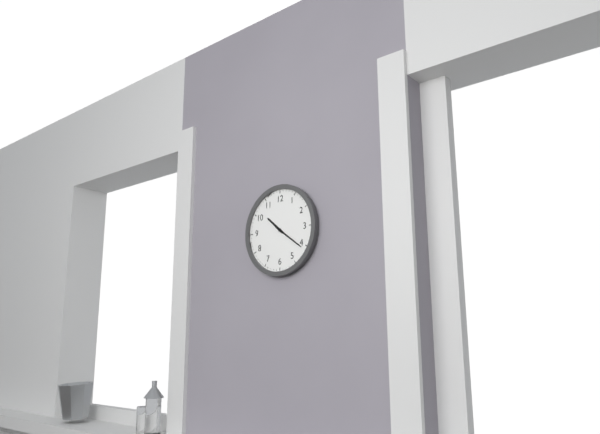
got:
10:21
